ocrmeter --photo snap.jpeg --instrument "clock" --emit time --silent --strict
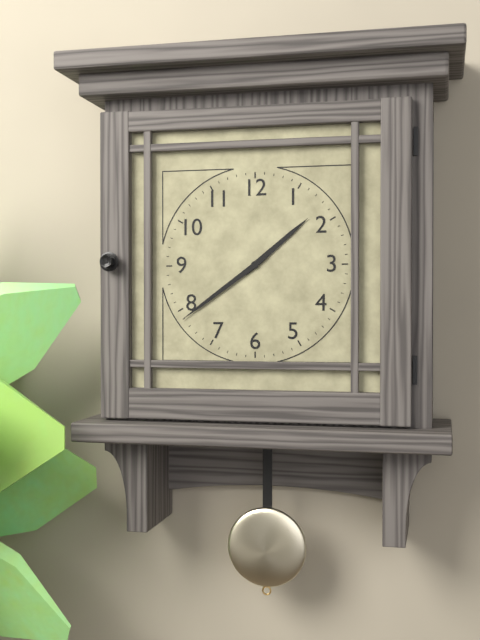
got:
1:39
